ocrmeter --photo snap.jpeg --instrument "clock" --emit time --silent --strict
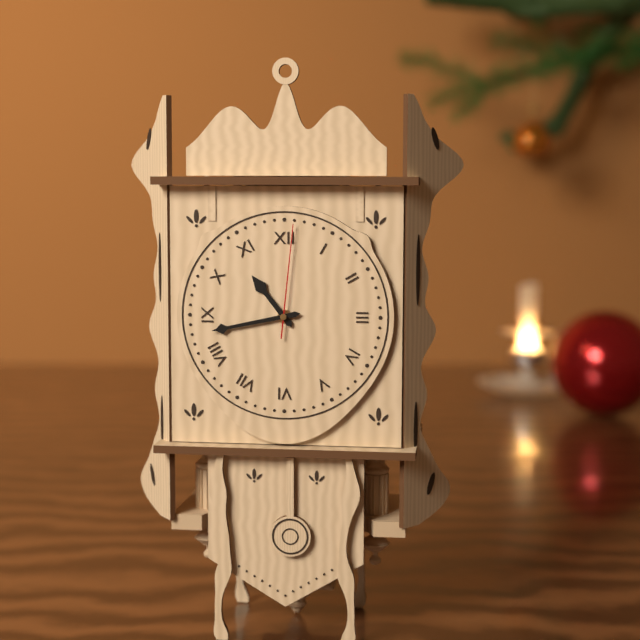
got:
10:43:01
